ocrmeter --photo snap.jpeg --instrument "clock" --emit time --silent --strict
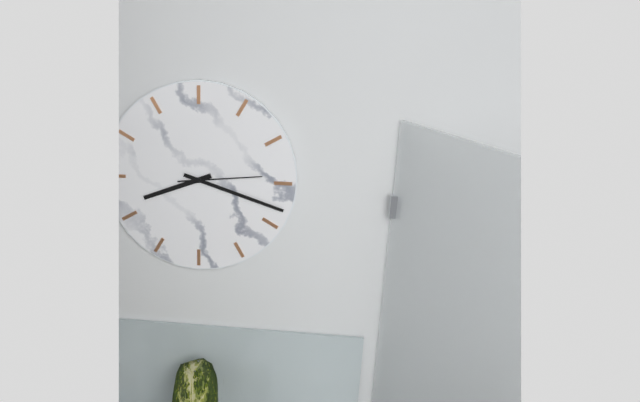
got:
8:18:14
